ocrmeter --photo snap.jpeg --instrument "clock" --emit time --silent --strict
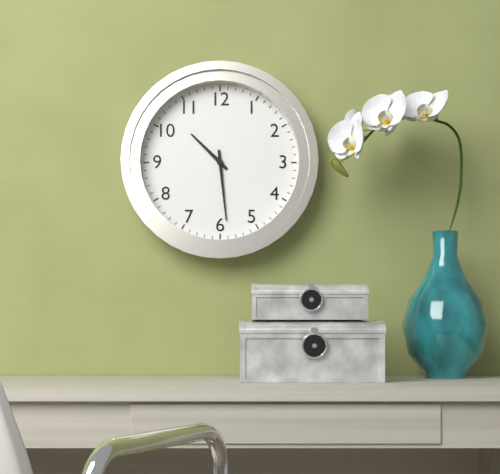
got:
10:29
